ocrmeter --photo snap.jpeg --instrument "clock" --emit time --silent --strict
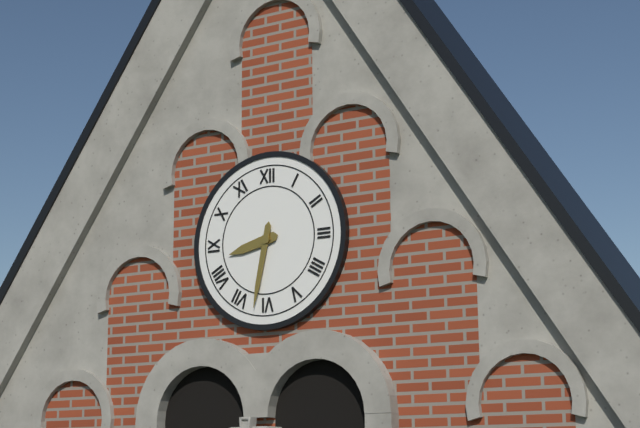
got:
8:32
